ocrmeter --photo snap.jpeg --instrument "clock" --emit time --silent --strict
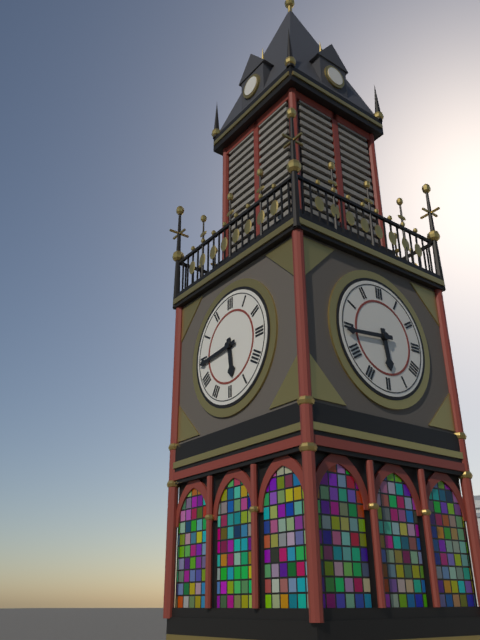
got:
5:44
